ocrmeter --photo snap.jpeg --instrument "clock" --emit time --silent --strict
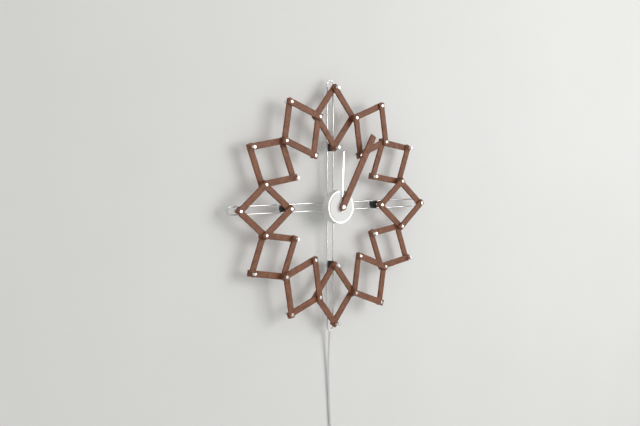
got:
12:05
